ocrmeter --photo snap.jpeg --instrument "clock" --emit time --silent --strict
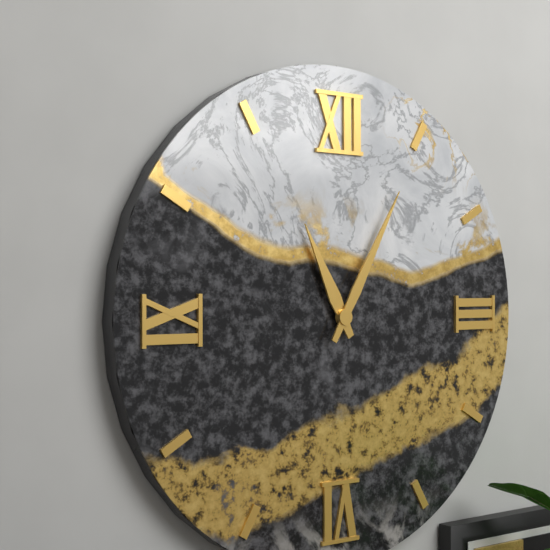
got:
11:05
